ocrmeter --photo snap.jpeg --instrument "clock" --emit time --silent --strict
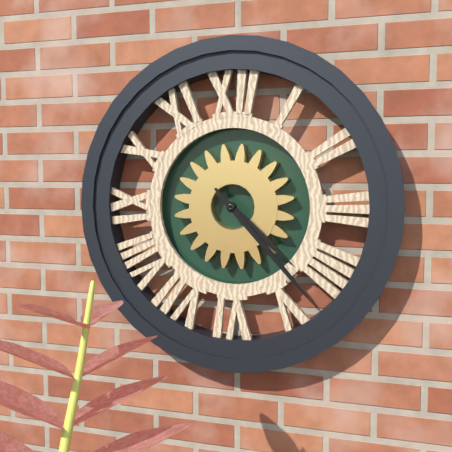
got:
4:23
